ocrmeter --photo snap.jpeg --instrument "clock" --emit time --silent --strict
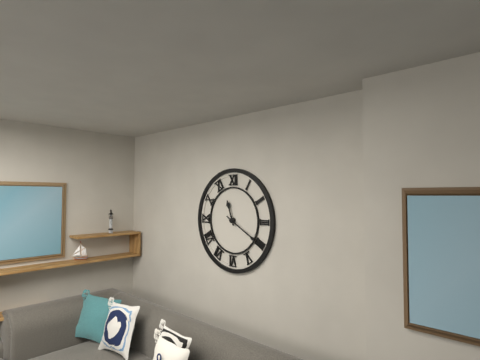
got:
11:20
